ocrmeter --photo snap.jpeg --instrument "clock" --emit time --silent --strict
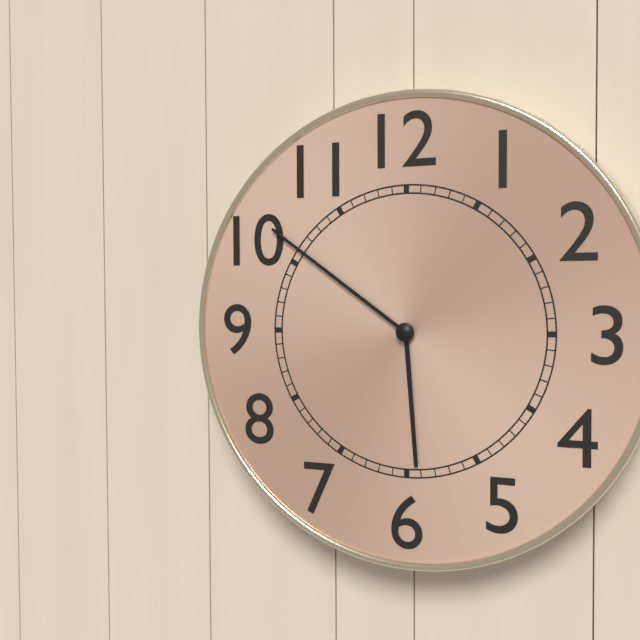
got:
5:51
